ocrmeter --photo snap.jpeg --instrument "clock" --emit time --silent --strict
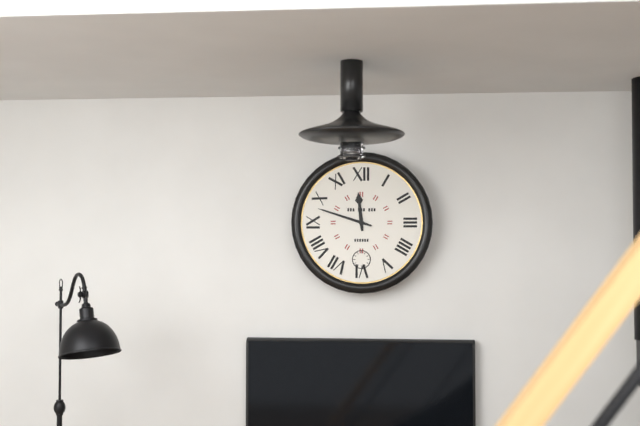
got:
11:48
